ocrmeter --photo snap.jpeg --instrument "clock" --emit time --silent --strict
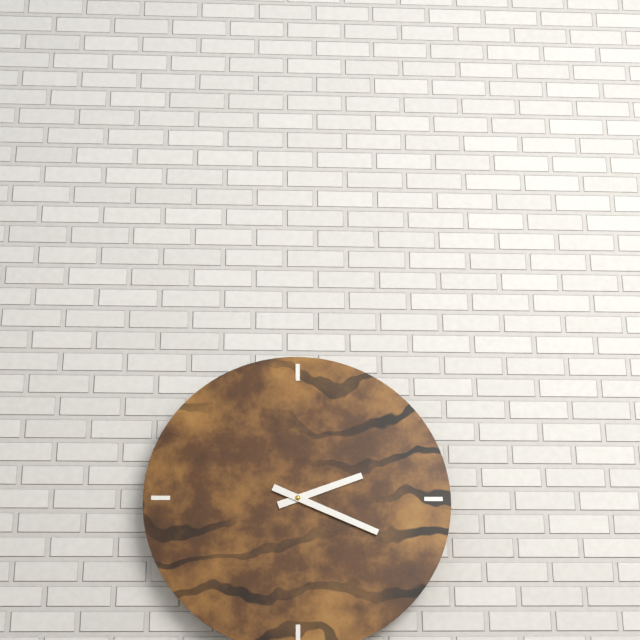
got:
2:19
